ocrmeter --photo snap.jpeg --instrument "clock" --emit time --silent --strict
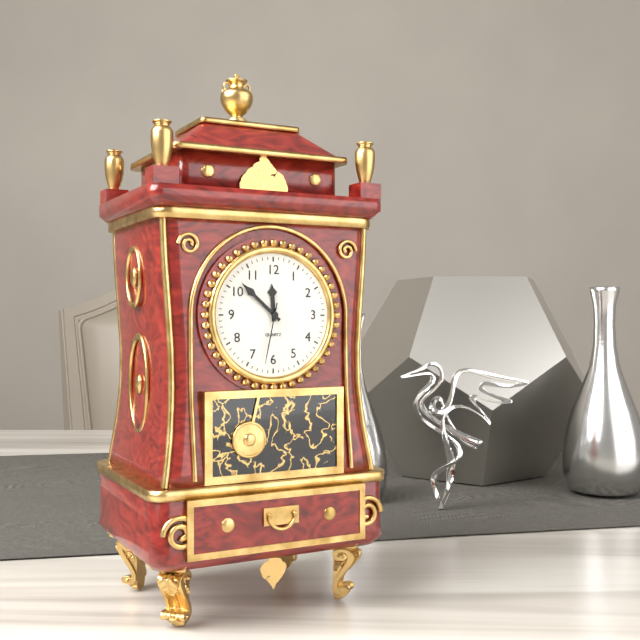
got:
11:52:32
